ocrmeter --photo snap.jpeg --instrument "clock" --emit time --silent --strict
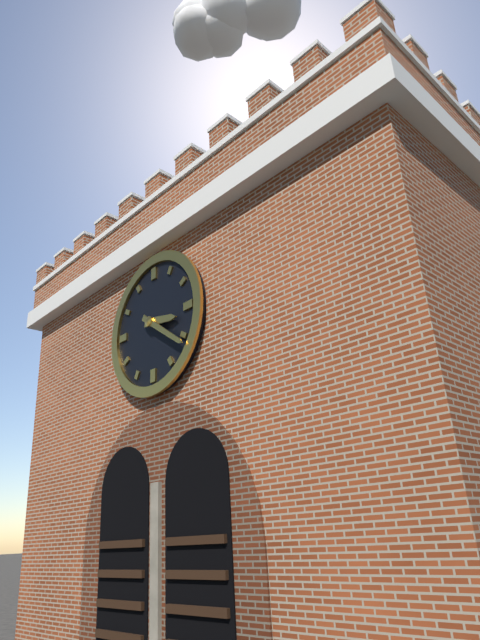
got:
3:21
